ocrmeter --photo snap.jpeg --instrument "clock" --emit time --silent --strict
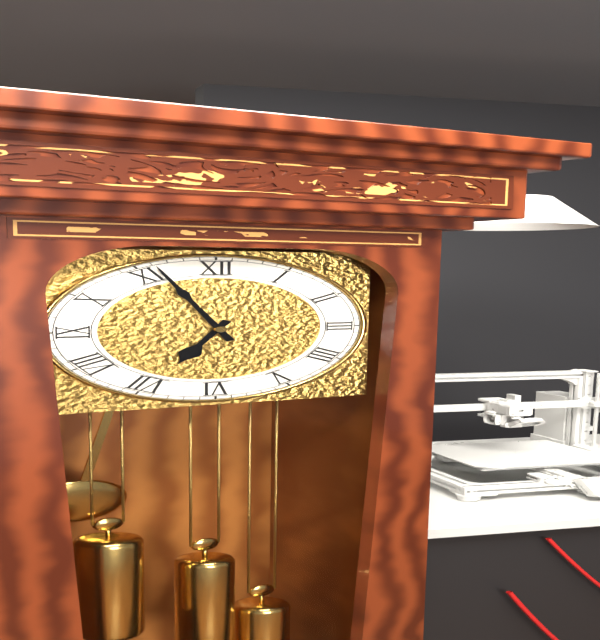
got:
6:56
